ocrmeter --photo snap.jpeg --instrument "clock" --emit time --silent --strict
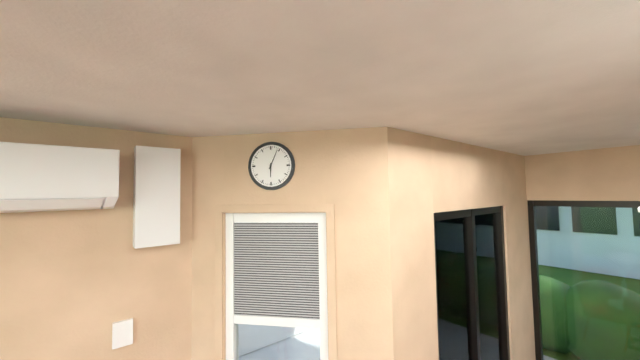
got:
6:04
